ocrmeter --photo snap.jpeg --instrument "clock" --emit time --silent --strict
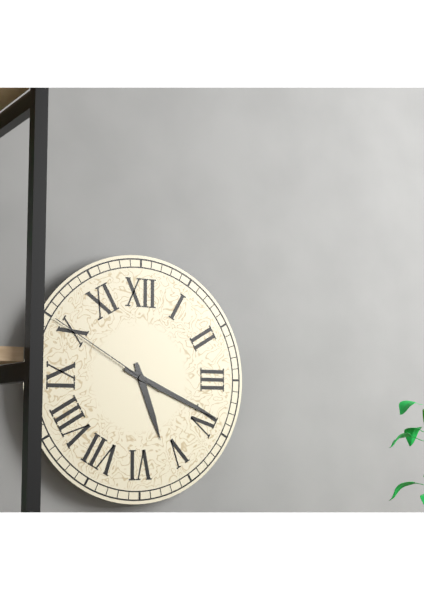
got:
5:19:50
